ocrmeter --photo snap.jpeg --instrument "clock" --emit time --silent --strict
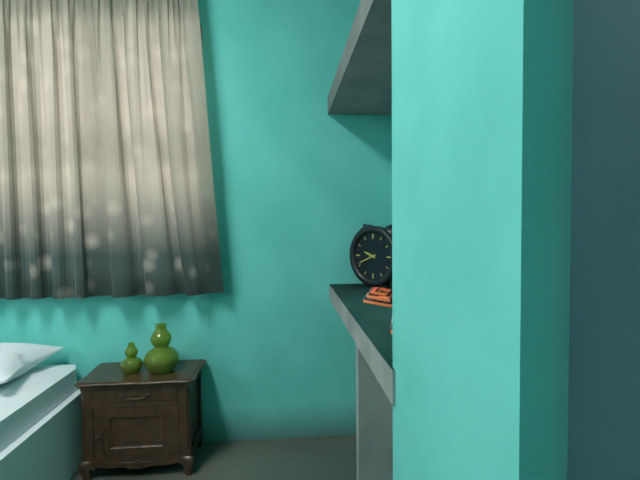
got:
9:41
